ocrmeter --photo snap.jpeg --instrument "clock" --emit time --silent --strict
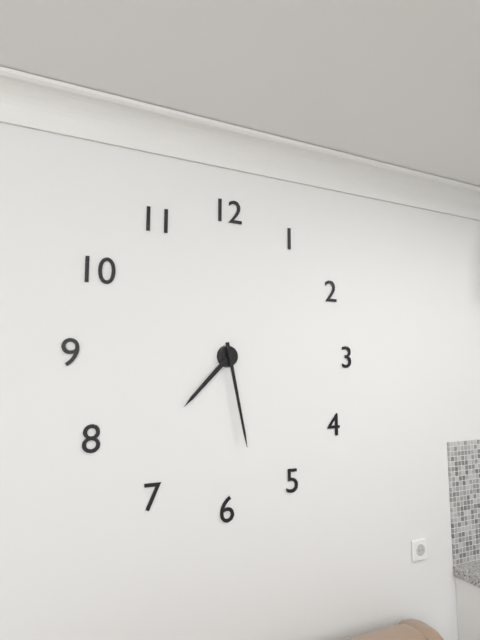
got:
7:28
